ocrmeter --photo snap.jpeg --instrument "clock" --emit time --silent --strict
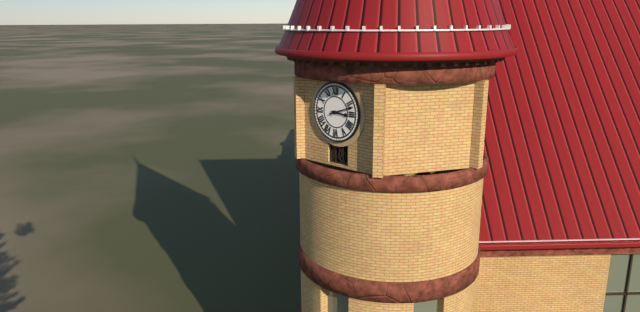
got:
3:12
